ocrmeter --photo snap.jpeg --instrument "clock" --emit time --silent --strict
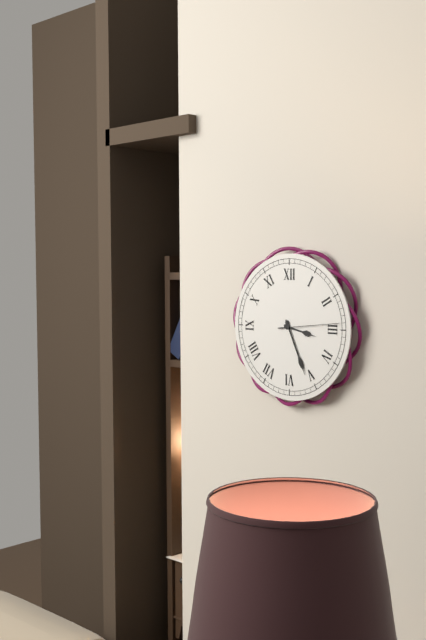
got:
3:26:14
